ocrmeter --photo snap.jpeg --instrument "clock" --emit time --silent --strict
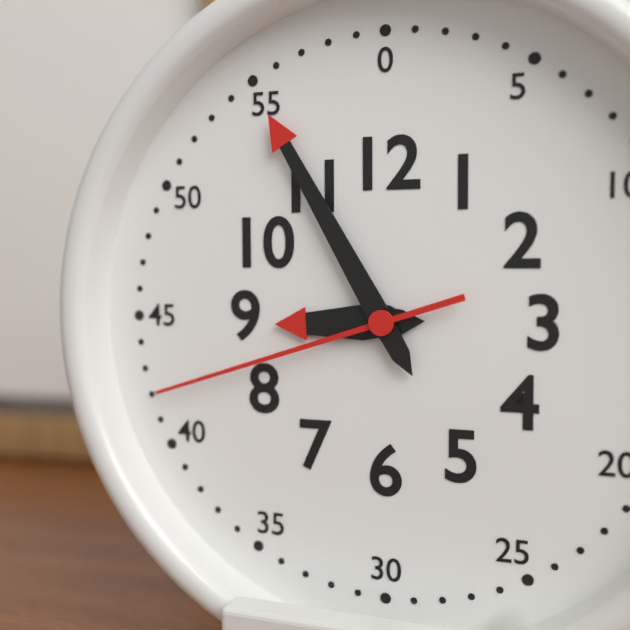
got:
8:55:42
